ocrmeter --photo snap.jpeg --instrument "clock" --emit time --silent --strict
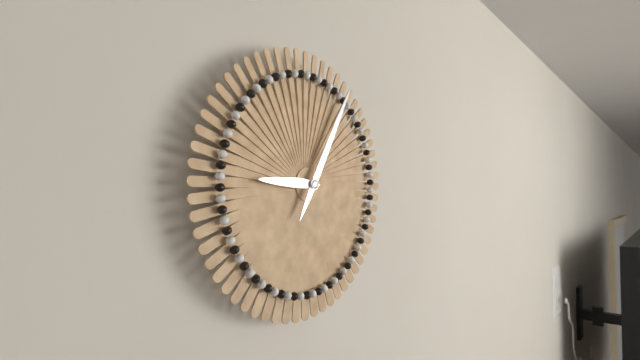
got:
9:05
